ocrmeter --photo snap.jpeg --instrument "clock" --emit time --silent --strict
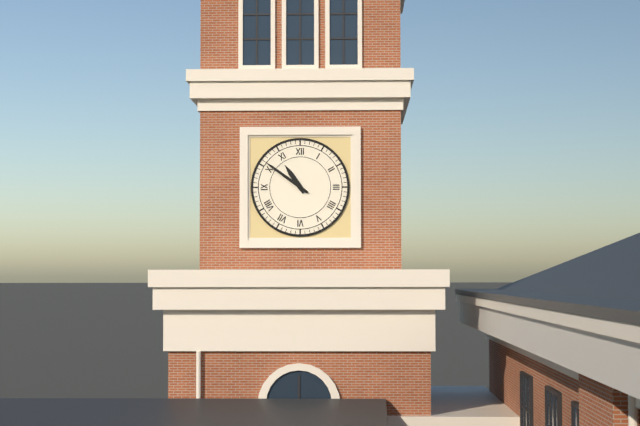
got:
10:51
